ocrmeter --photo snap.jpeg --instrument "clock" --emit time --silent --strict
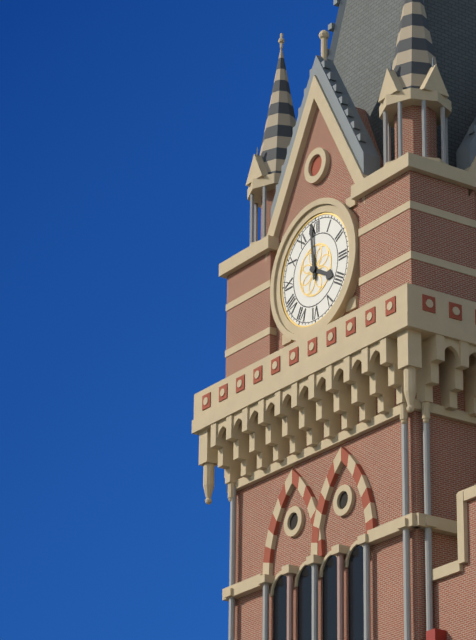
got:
3:59
